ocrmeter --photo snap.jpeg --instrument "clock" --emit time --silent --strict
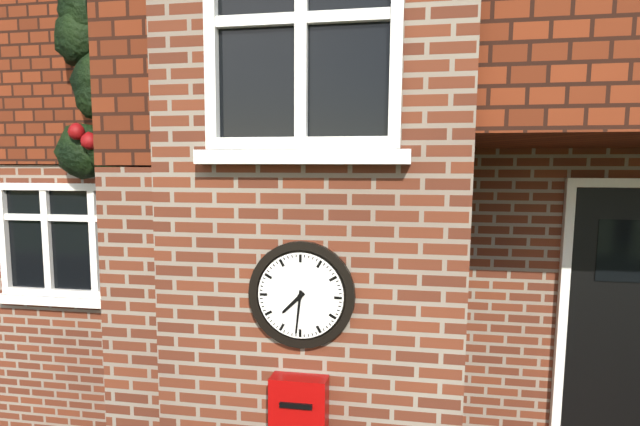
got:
7:31
